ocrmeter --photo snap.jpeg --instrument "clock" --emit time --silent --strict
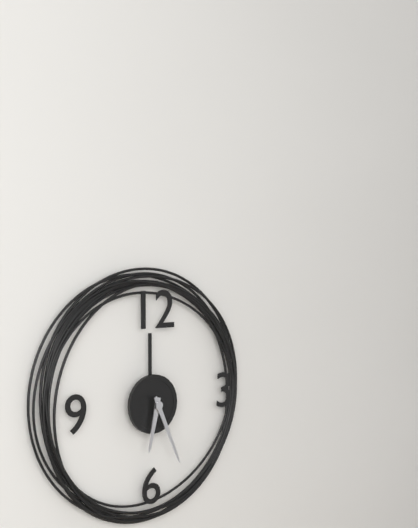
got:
6:26
